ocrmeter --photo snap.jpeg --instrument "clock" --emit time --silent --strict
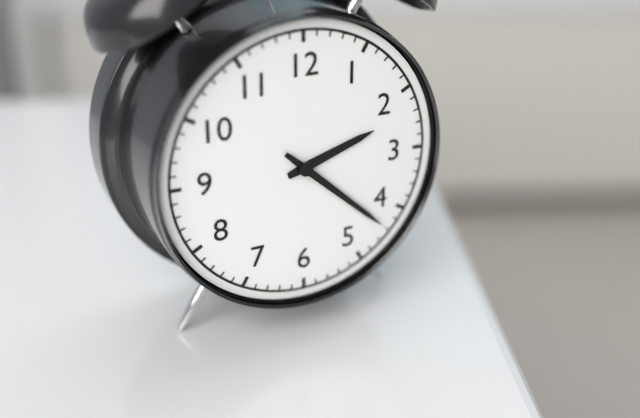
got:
2:22
